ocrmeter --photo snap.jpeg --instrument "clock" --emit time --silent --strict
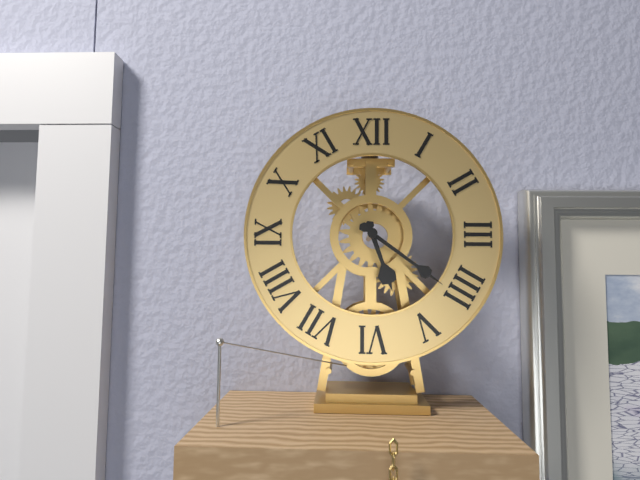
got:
5:21
